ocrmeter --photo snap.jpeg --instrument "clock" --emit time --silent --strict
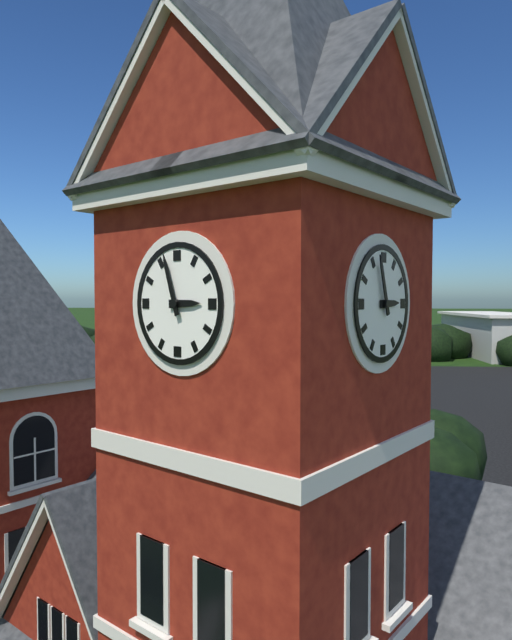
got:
2:57
